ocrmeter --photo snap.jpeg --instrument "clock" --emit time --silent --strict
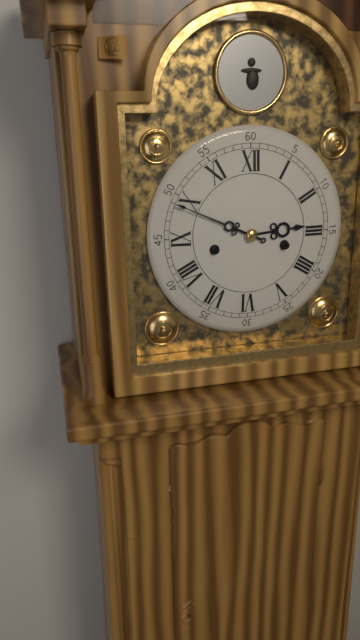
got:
2:49
